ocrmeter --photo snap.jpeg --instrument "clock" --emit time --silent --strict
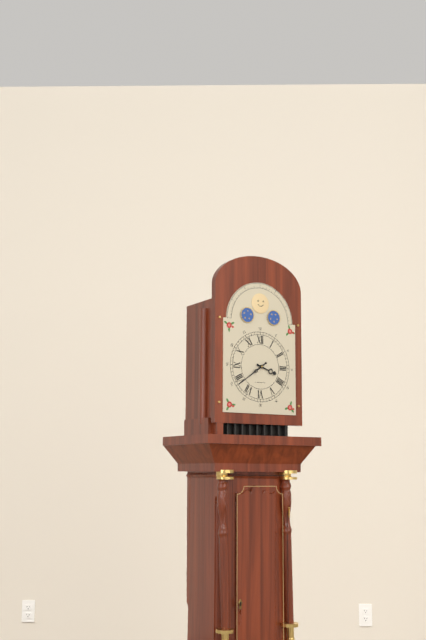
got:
3:39
